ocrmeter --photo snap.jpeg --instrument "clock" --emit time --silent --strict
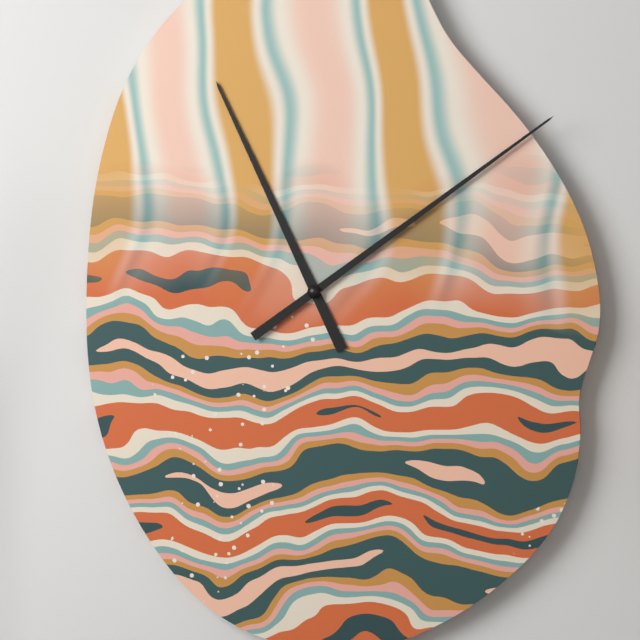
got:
11:09
